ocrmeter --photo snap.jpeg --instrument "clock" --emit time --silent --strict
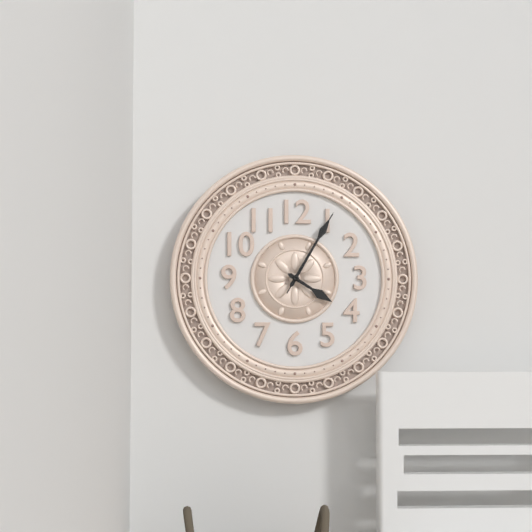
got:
4:05:05
